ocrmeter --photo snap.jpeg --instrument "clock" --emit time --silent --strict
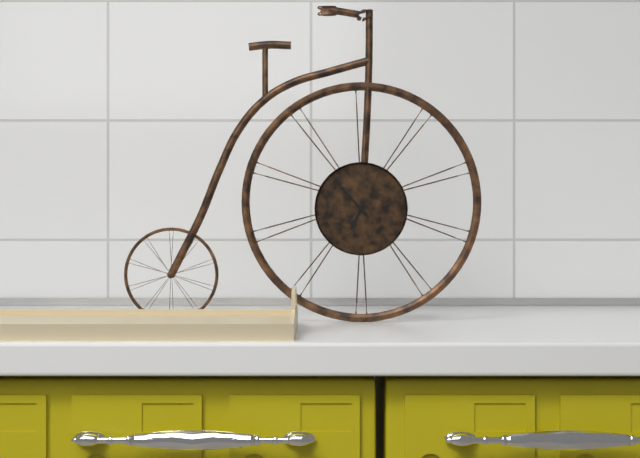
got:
6:53
